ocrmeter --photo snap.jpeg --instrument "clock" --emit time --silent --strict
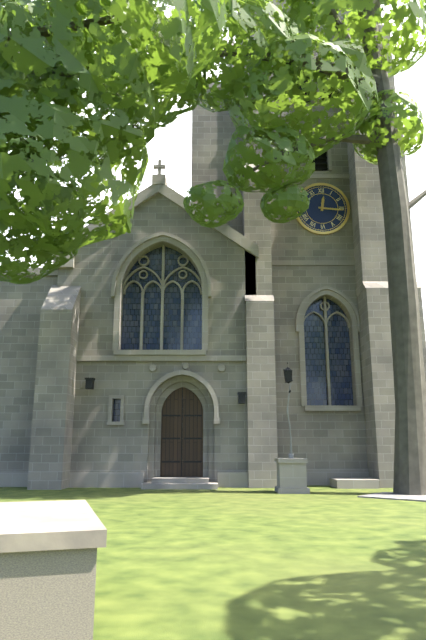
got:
12:16
